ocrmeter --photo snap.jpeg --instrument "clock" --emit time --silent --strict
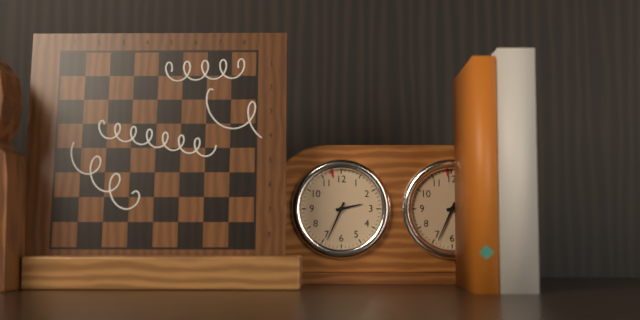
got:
2:34
